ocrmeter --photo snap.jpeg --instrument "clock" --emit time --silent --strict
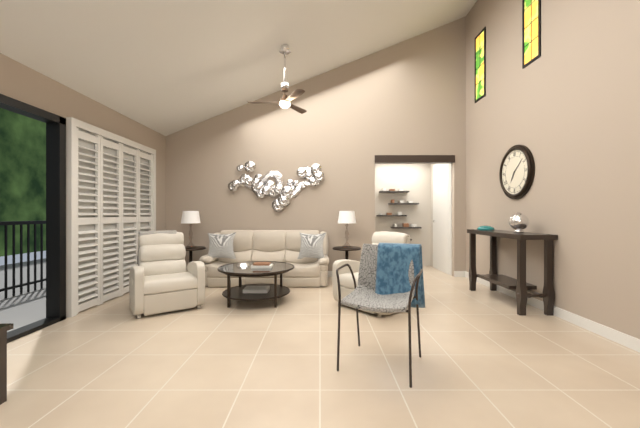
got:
7:08
